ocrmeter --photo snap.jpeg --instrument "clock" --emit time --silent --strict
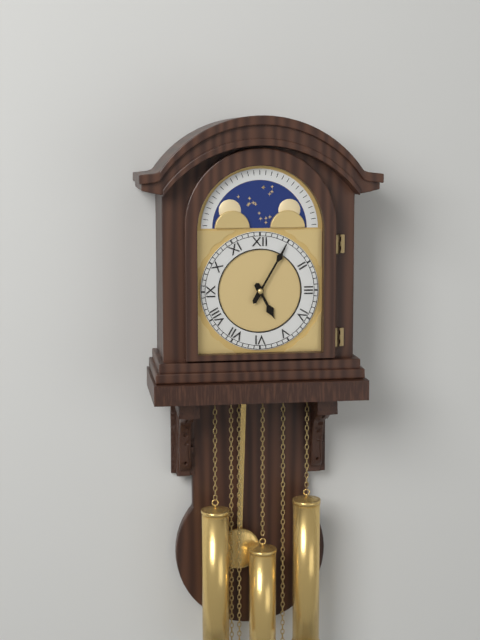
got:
5:05
